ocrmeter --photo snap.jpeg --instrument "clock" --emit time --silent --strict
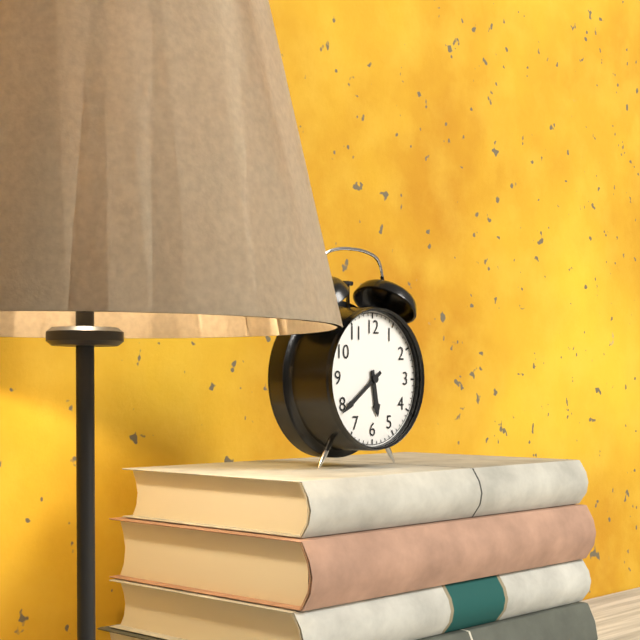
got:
5:39
